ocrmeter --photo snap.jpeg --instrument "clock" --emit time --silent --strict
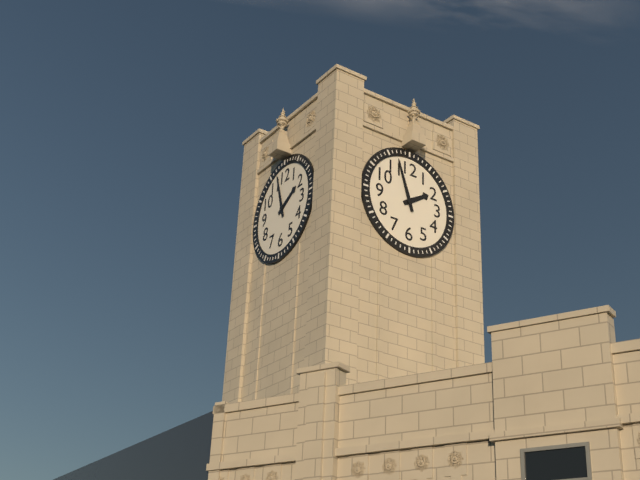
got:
1:57
